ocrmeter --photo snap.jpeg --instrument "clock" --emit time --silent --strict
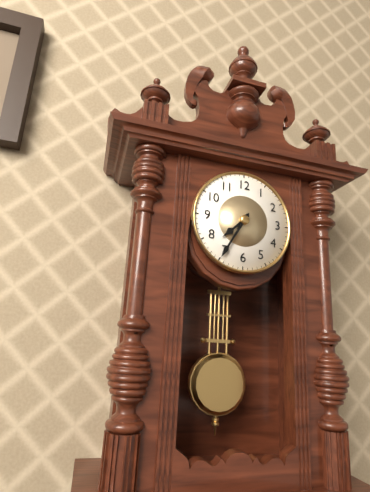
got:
7:35
